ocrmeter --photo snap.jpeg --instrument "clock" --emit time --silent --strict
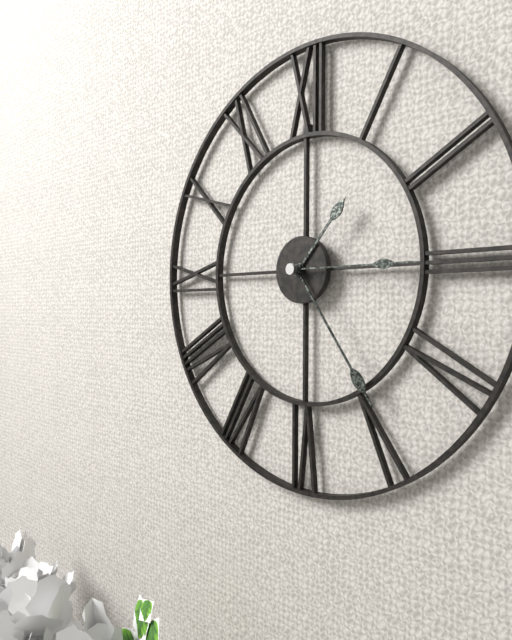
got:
1:24:15
